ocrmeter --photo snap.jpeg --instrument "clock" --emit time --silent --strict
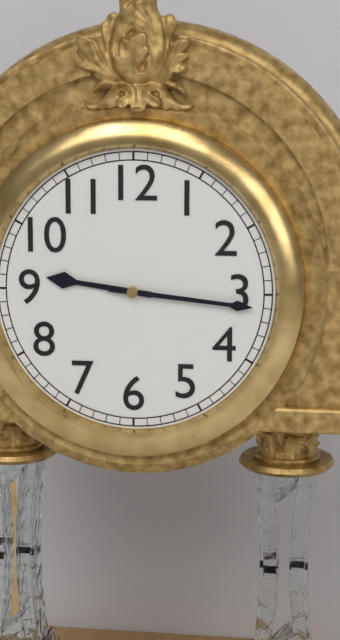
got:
9:16
